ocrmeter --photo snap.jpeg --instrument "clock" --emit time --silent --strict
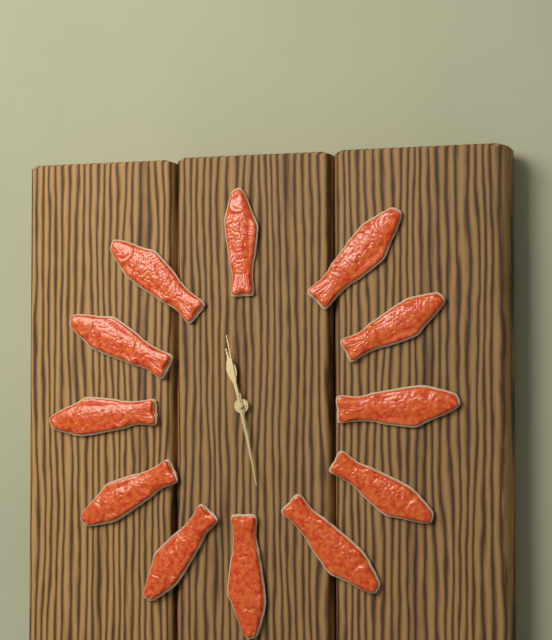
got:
11:28:58
